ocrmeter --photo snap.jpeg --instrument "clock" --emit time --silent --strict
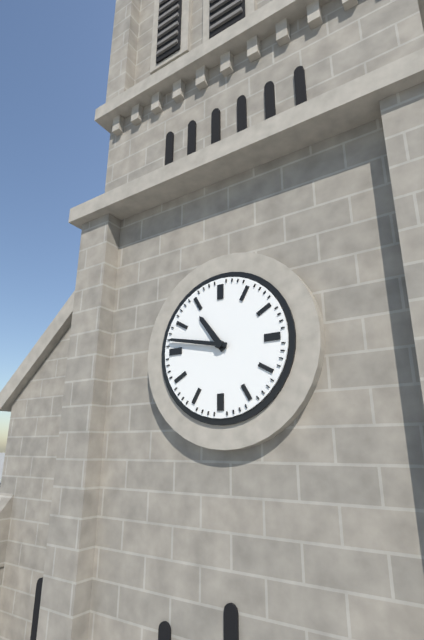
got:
10:47
